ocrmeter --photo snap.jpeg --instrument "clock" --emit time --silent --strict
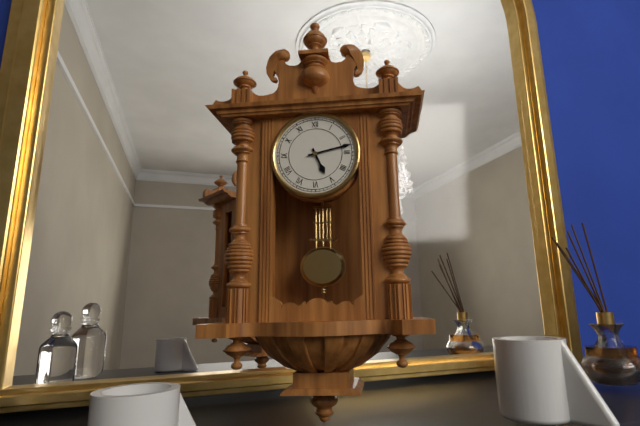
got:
5:13
